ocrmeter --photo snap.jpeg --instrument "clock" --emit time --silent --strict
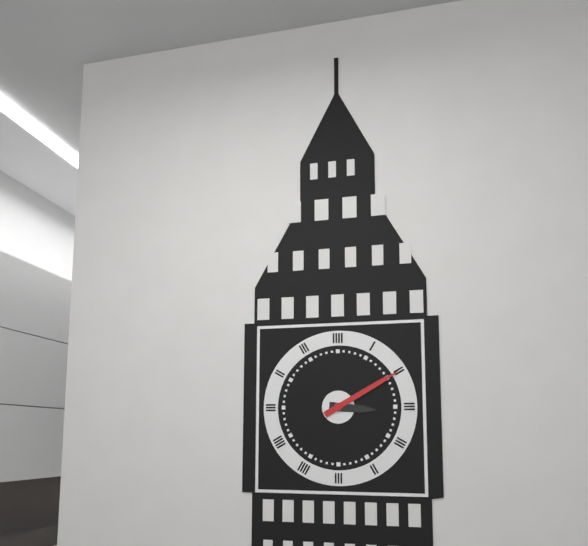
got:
3:10
